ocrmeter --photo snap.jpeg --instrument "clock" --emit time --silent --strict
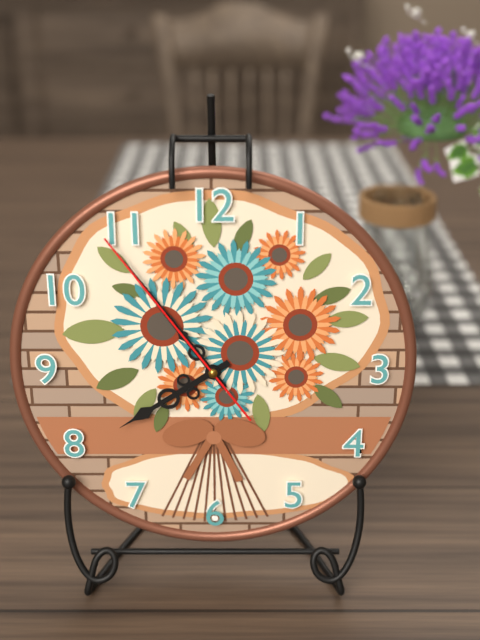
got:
7:54:54
